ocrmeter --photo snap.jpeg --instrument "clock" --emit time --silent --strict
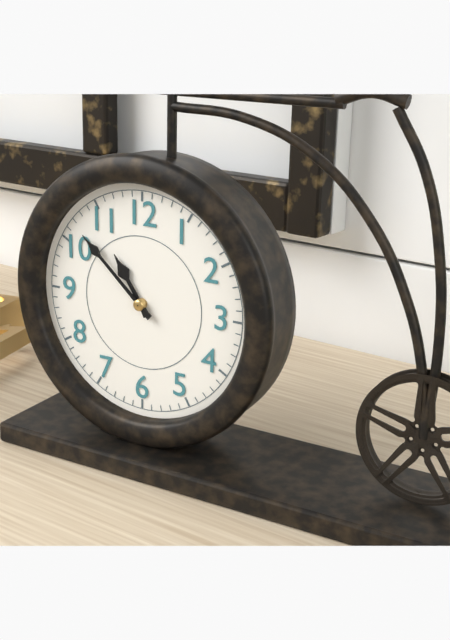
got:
10:52
